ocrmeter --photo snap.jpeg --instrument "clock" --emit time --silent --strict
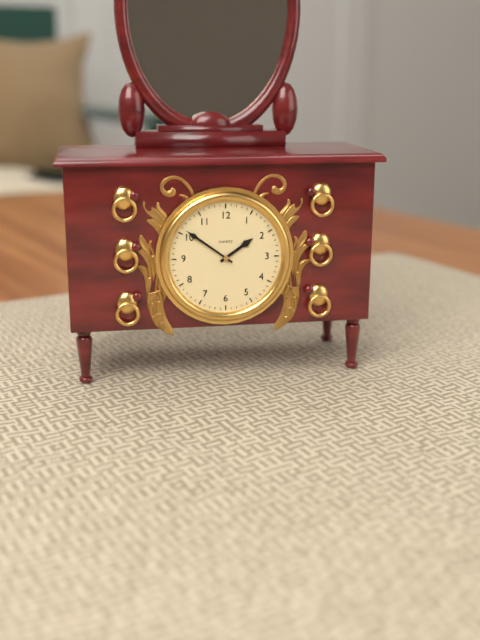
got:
1:51
